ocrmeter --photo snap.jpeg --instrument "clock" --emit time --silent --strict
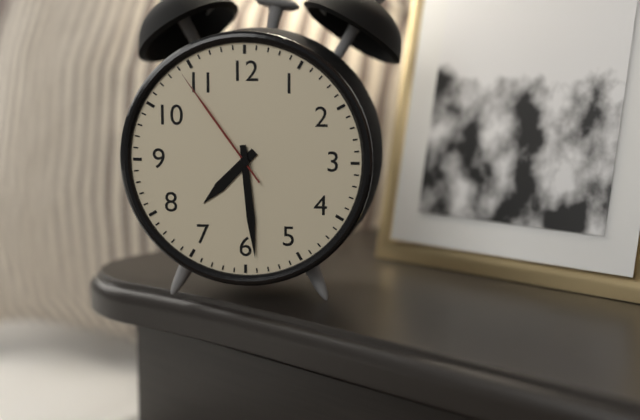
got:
7:29:54
